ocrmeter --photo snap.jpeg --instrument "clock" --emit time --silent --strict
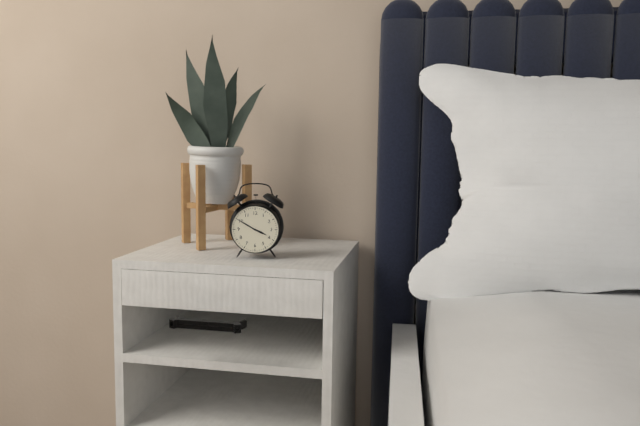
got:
3:50
